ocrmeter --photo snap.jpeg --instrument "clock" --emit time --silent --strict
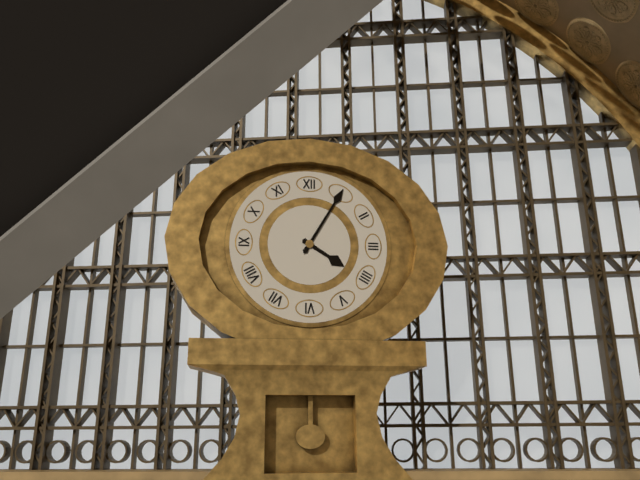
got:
4:05
